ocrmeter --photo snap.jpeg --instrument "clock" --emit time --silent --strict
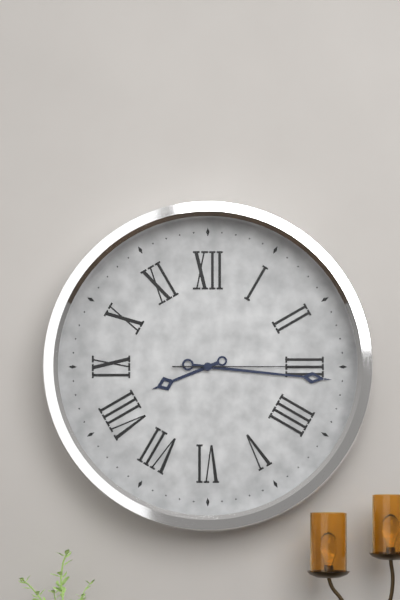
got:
8:16:15
